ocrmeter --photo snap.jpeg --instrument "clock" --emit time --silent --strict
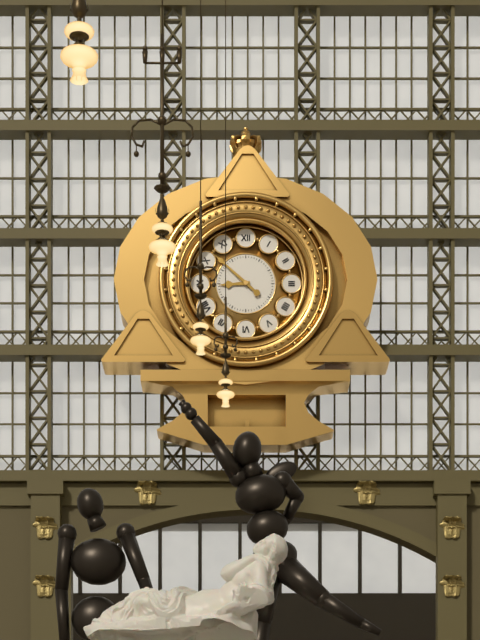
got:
8:52
